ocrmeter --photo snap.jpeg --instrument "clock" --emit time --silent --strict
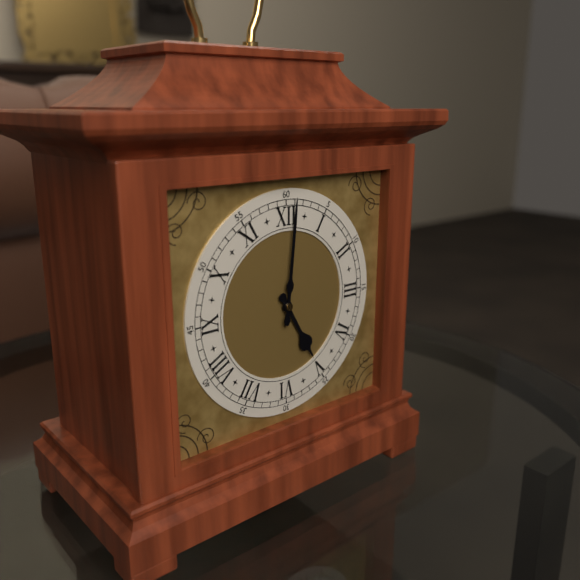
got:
5:01
